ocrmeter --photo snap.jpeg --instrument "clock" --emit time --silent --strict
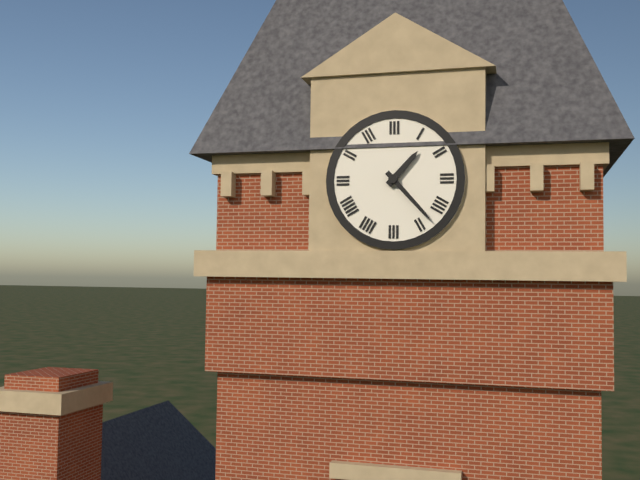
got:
1:23
